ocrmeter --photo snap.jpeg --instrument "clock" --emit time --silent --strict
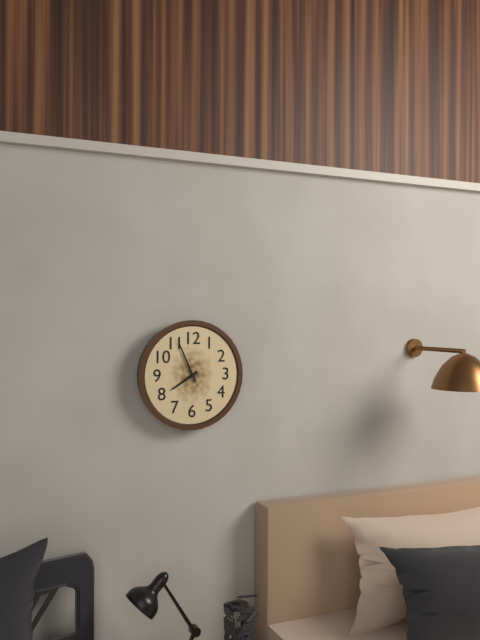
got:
7:56
